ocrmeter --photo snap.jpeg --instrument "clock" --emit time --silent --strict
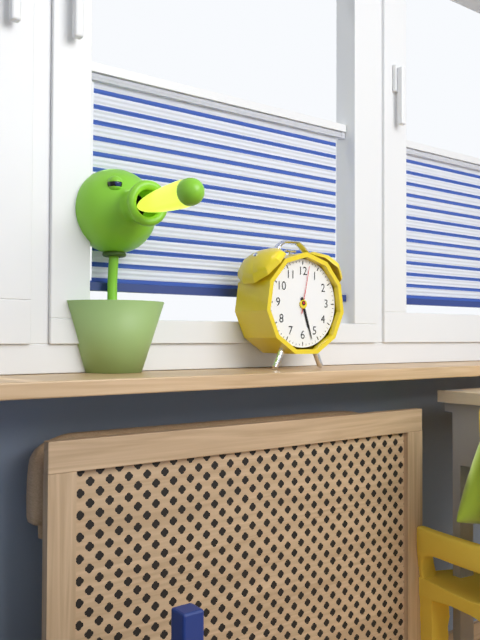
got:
5:27
